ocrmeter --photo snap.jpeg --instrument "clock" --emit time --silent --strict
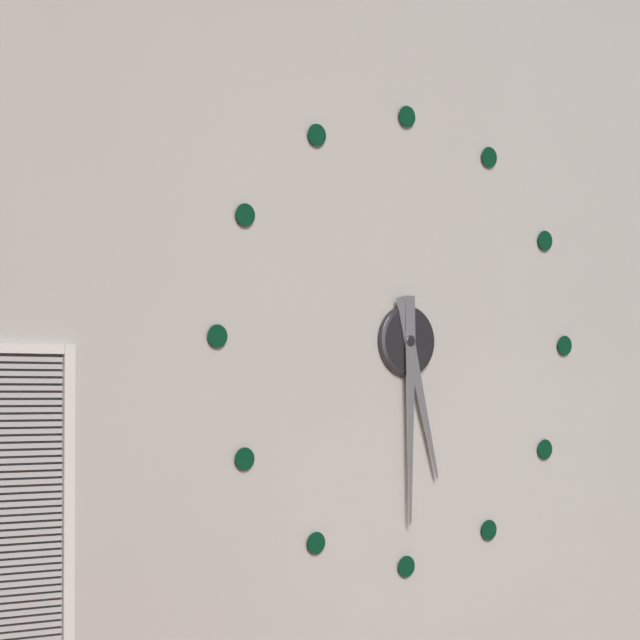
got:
5:30
